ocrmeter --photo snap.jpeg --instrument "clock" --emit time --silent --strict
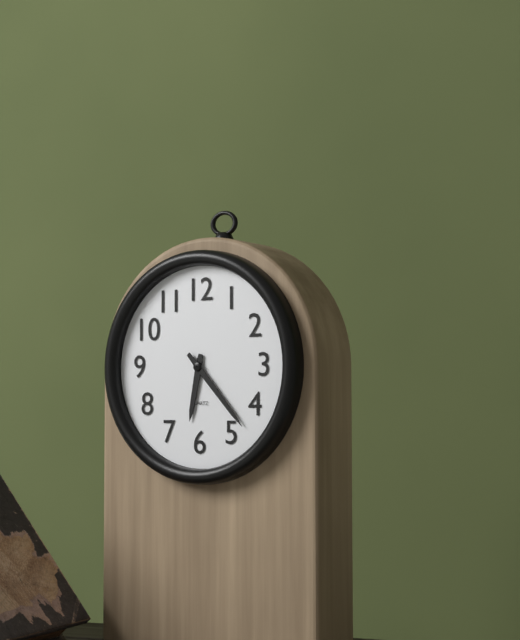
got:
6:23
